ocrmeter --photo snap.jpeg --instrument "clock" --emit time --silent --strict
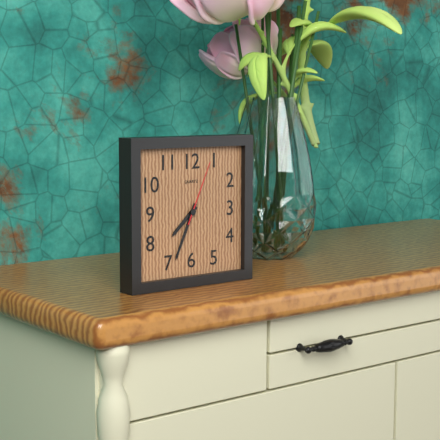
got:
7:34:04
